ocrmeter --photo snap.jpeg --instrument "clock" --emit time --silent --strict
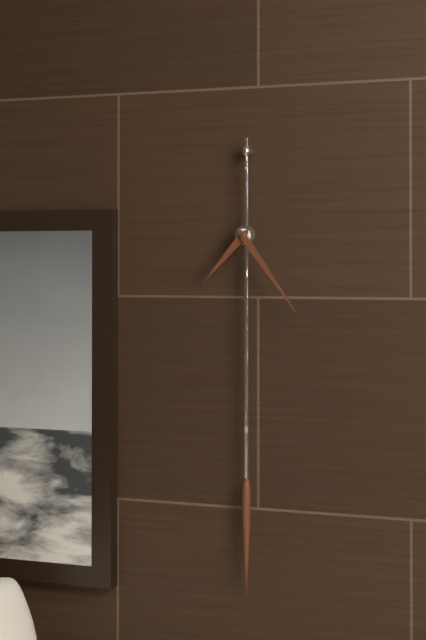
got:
7:24
